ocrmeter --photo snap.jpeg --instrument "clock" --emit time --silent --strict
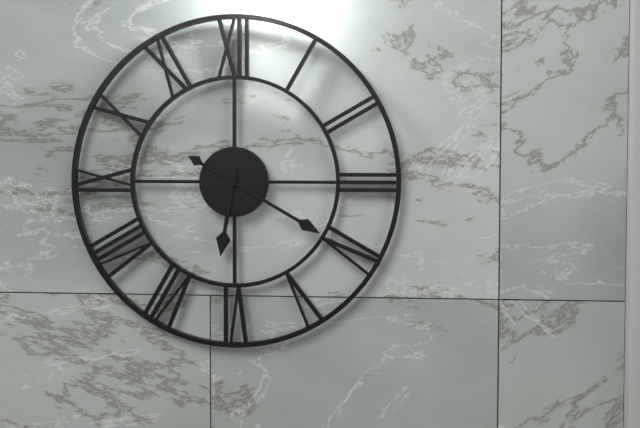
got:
6:20
